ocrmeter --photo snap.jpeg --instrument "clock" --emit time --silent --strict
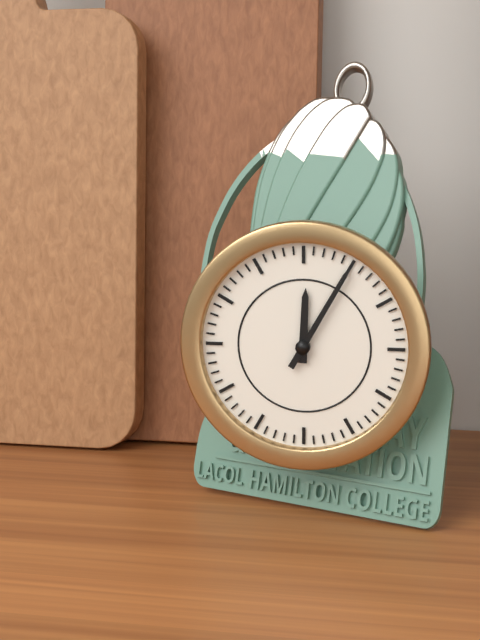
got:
12:05
